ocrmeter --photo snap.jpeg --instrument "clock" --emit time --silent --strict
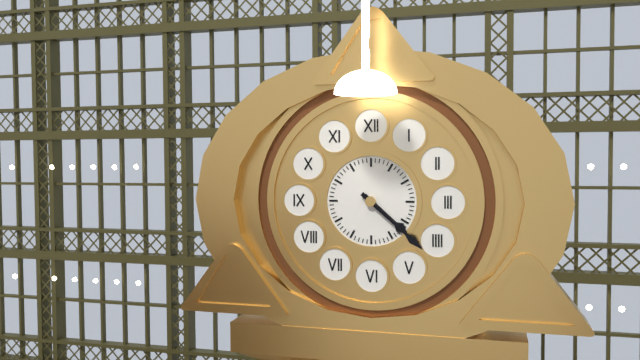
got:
4:22
